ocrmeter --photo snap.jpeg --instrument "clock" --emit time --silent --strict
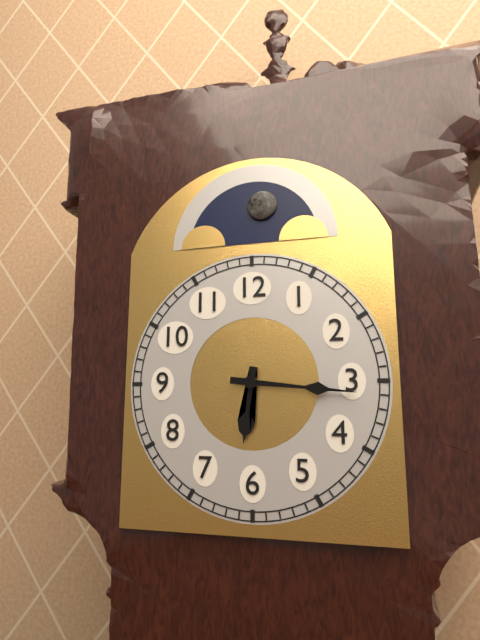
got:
6:16
